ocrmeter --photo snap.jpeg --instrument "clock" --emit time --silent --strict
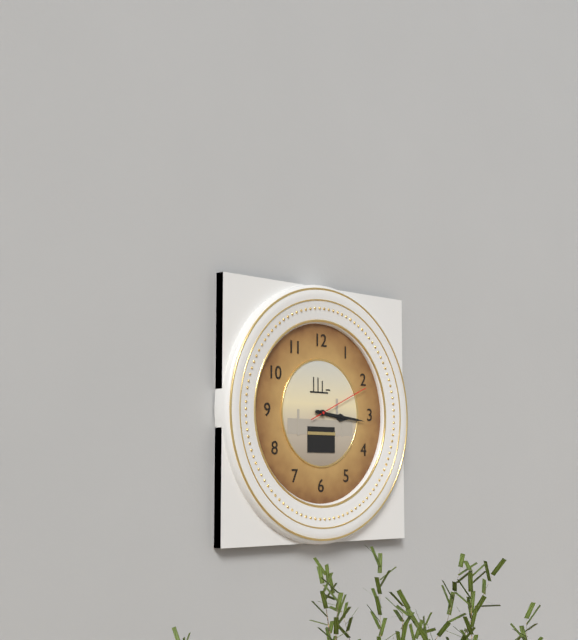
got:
3:16:11
